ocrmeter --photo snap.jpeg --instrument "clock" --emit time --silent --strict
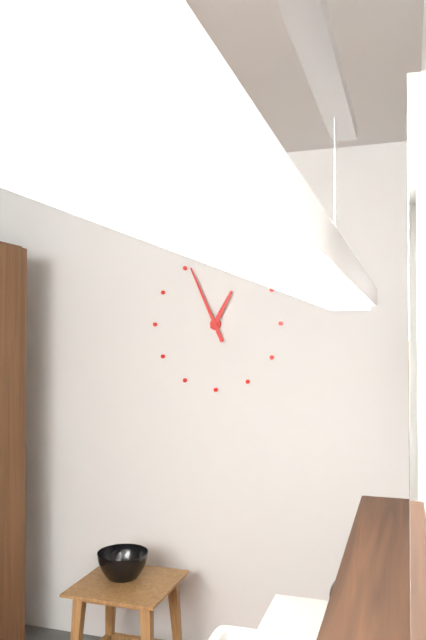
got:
12:56
